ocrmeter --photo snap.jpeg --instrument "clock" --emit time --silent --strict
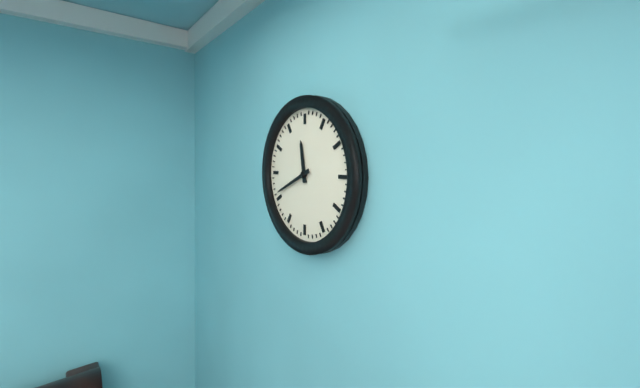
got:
11:41
